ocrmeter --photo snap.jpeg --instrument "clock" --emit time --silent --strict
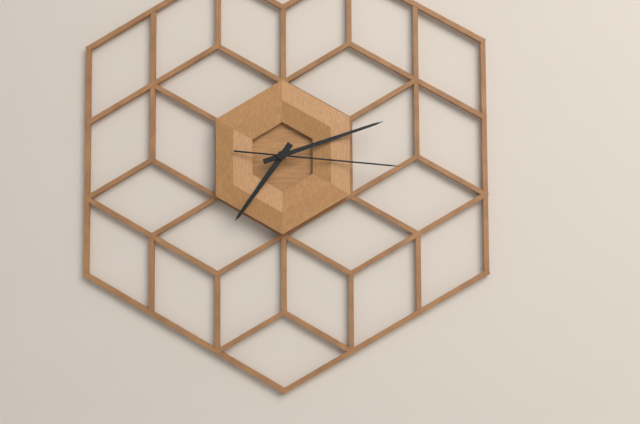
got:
7:12:16
